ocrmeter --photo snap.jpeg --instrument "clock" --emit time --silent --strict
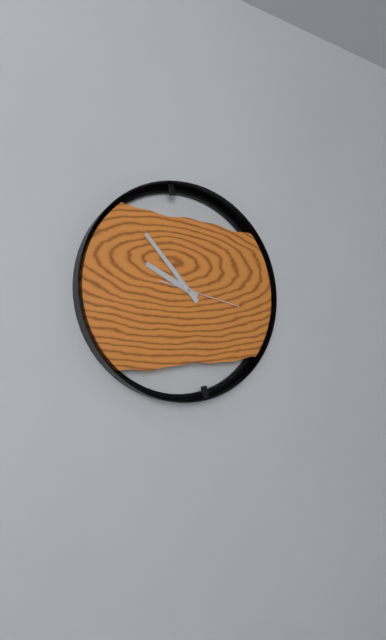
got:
9:53:17
